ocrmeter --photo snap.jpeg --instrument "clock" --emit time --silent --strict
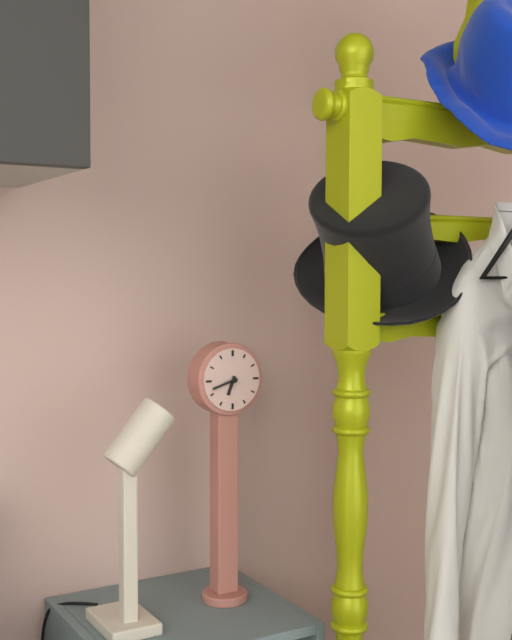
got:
6:42
